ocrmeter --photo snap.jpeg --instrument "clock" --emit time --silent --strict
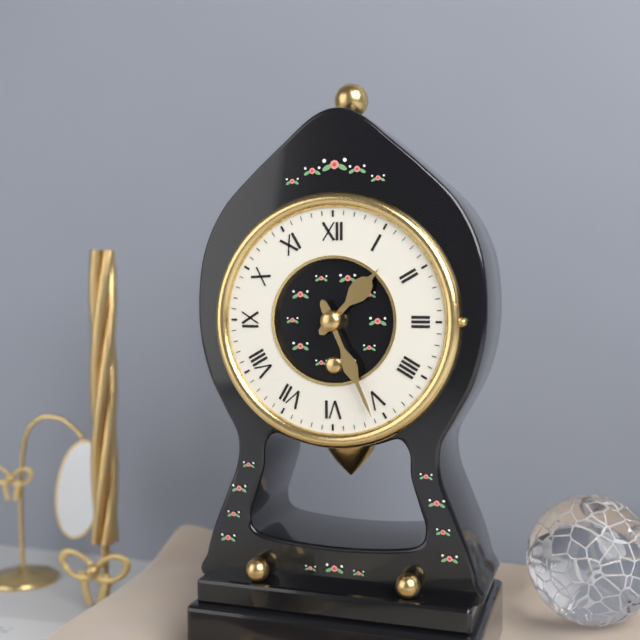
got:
1:26
